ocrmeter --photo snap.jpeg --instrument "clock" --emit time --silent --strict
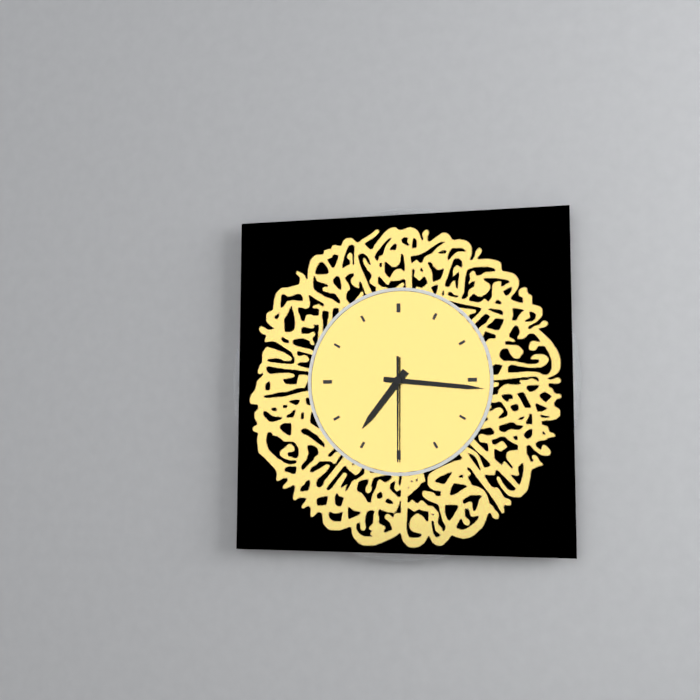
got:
7:16:30
